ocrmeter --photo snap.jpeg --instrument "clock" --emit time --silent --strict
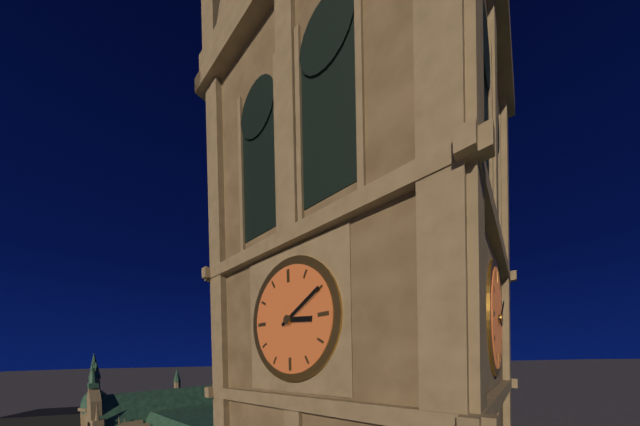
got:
3:10
